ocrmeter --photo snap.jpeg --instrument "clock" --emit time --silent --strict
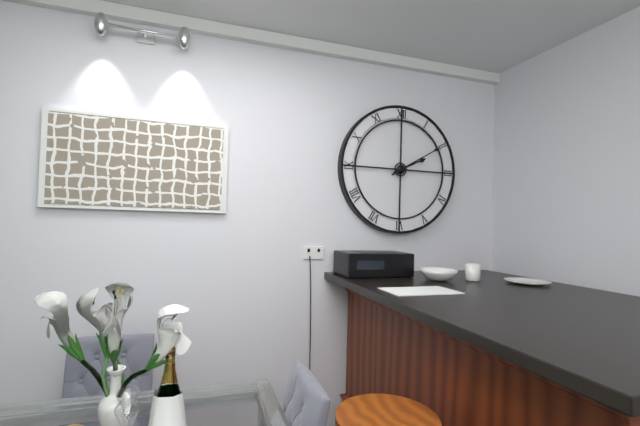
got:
2:10
